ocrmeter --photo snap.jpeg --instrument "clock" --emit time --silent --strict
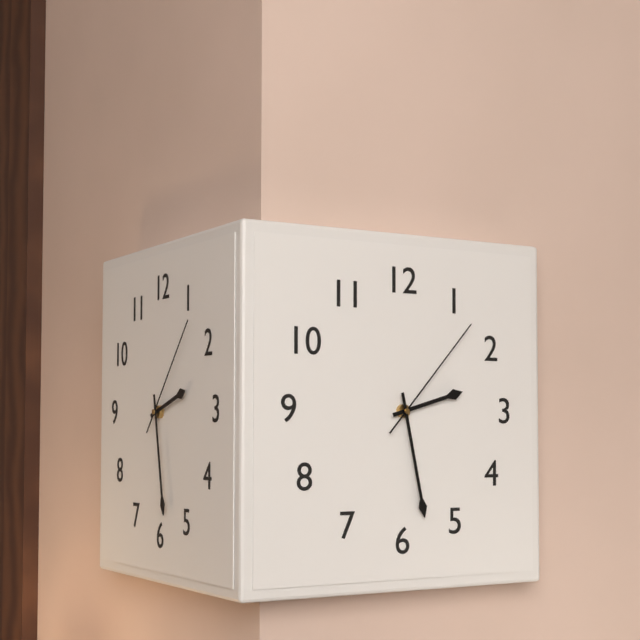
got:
2:28:07
